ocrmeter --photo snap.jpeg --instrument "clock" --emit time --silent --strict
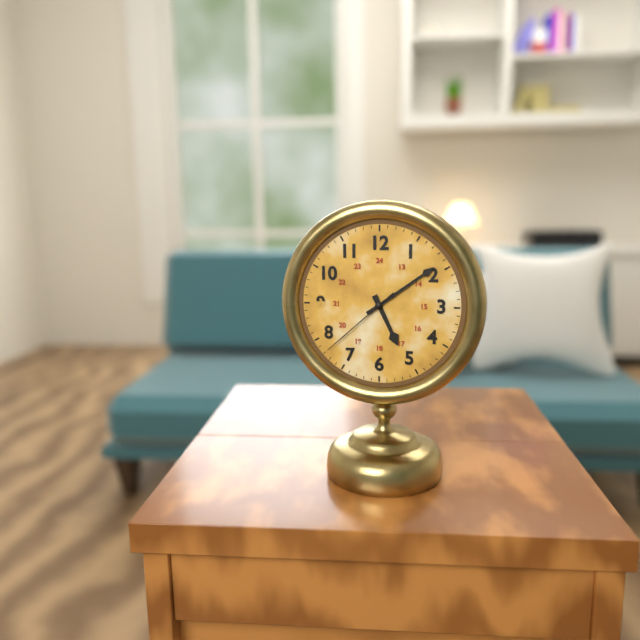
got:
5:09:38
